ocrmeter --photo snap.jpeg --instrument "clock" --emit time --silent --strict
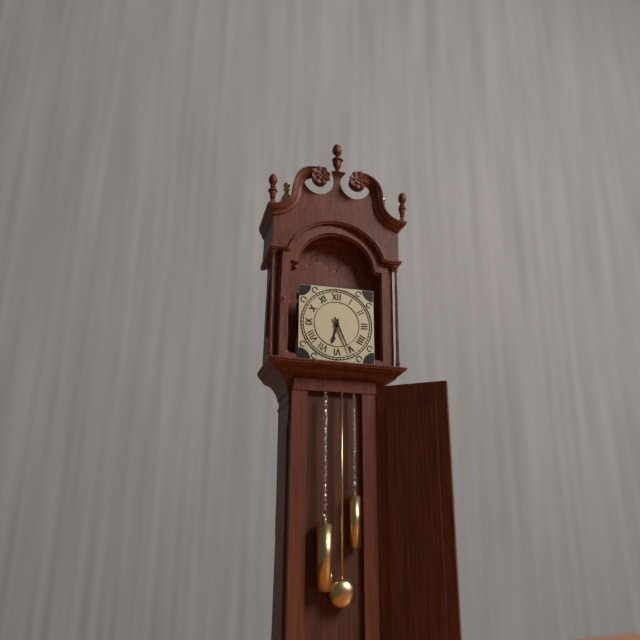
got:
6:26
